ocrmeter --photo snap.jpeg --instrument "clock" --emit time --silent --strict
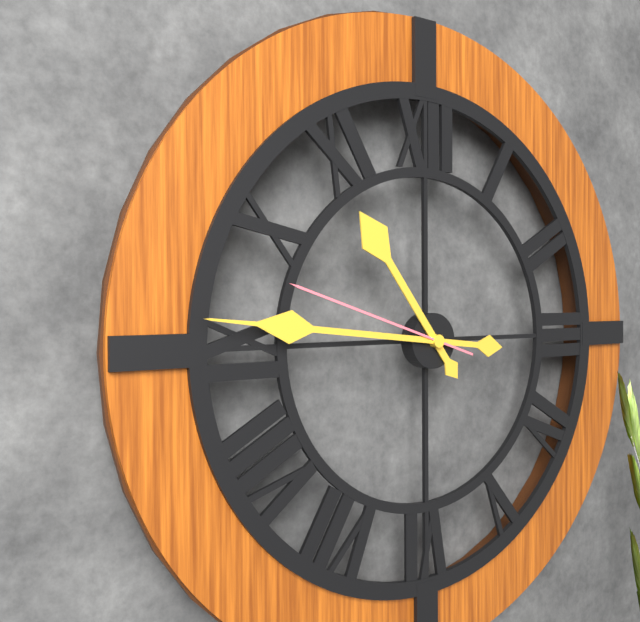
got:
10:46:48
